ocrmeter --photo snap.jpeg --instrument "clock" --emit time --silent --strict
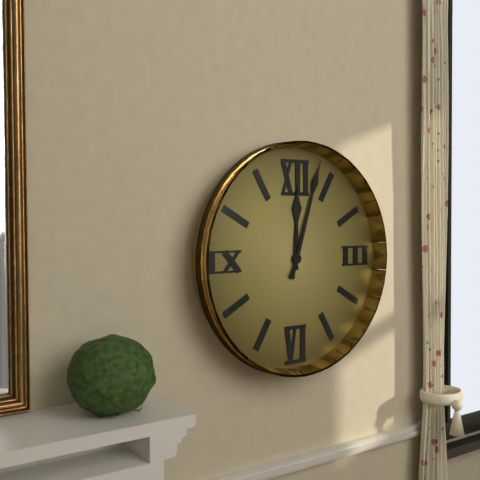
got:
12:03
